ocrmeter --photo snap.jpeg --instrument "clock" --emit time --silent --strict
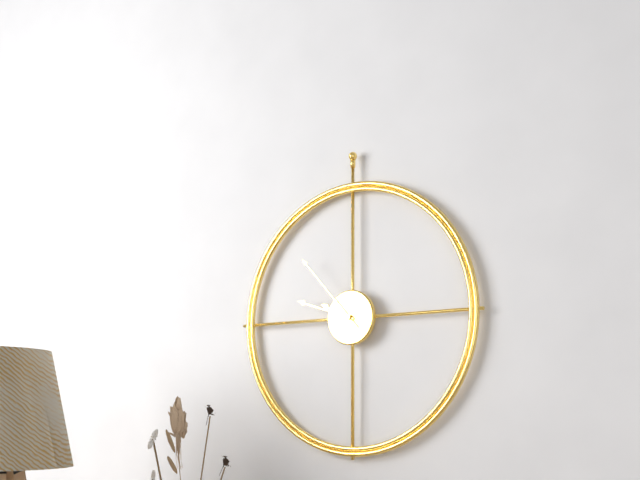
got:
9:48:53
